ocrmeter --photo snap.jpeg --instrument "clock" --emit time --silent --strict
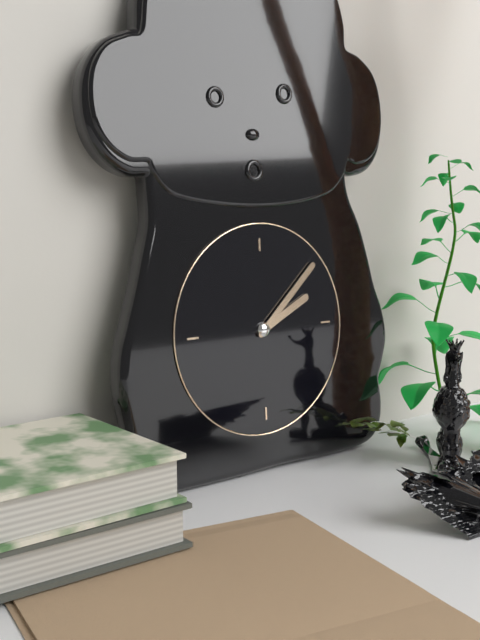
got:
2:08
